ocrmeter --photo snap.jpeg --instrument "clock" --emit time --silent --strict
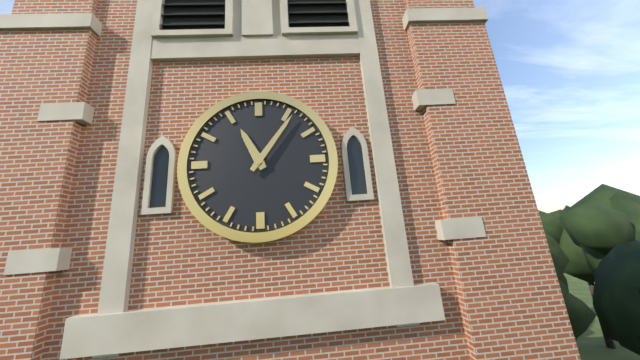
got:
11:06
